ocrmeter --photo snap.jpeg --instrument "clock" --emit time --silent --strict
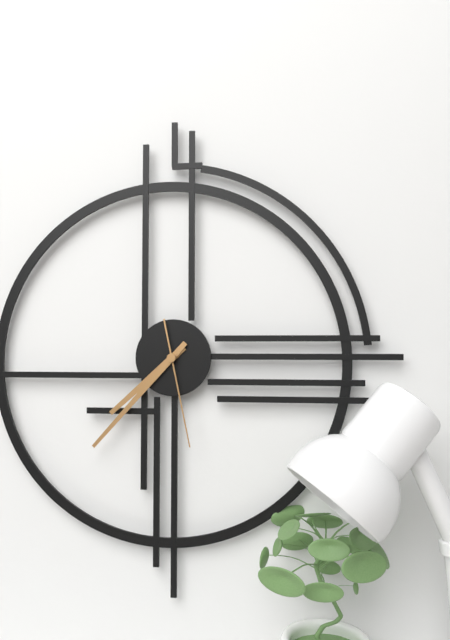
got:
7:37:28
